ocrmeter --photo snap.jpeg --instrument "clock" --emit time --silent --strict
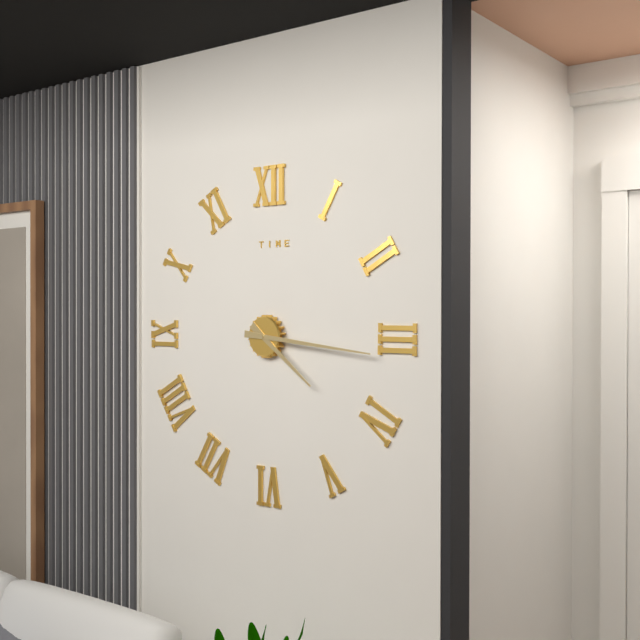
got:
4:16
